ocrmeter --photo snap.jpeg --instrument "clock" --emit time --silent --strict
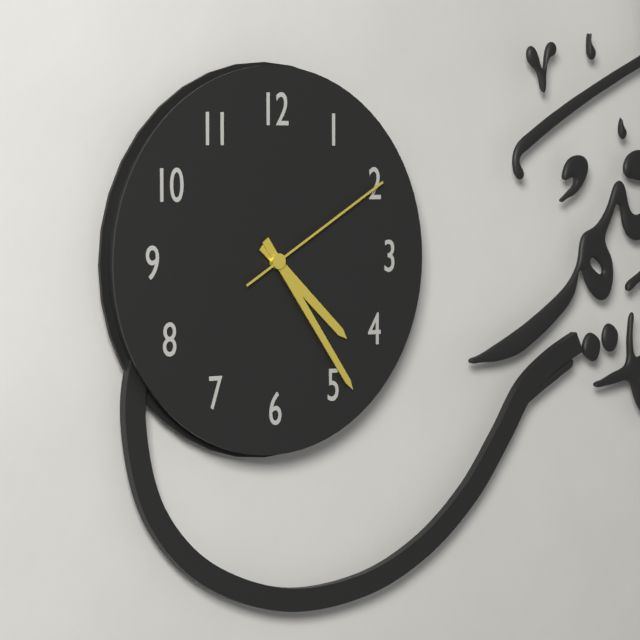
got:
4:24:10
